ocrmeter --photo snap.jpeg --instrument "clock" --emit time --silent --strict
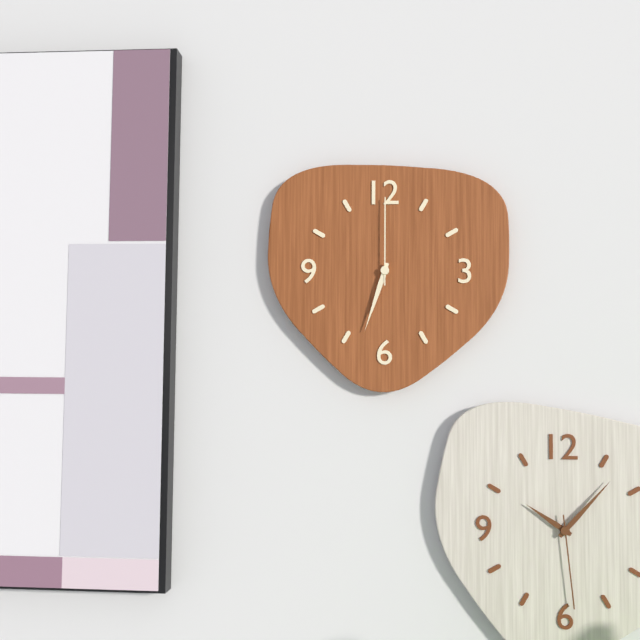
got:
6:33:00
